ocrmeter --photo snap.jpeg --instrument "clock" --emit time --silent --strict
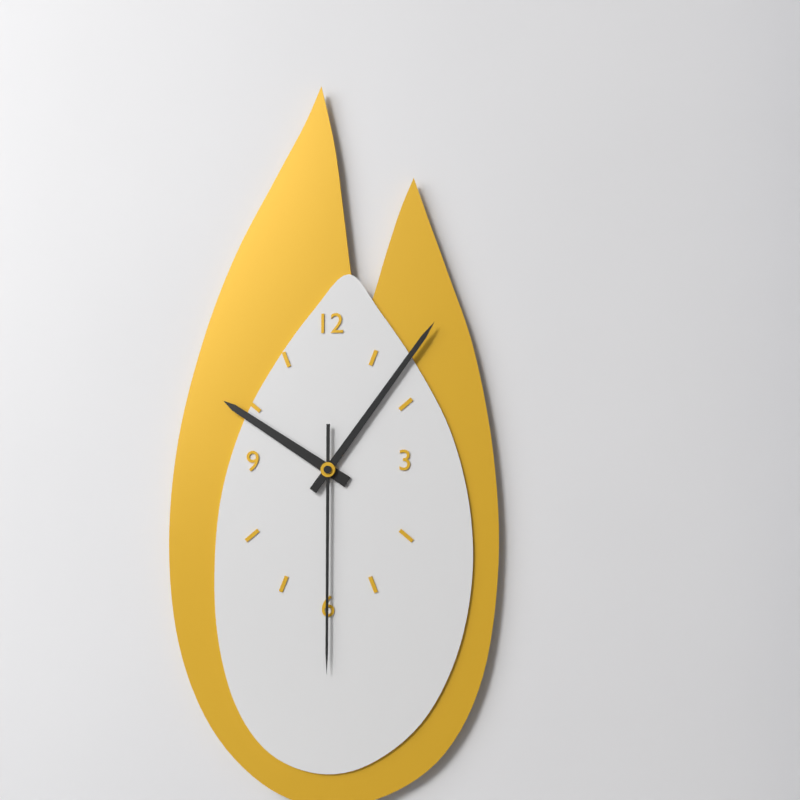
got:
10:06:30
